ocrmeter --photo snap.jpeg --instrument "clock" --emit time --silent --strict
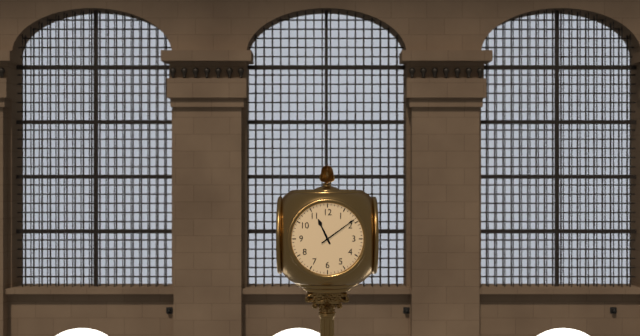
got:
11:09
